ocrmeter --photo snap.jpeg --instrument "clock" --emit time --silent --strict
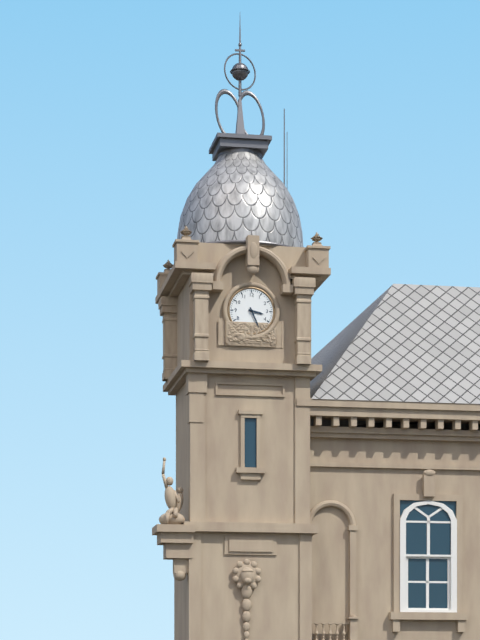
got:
3:26
